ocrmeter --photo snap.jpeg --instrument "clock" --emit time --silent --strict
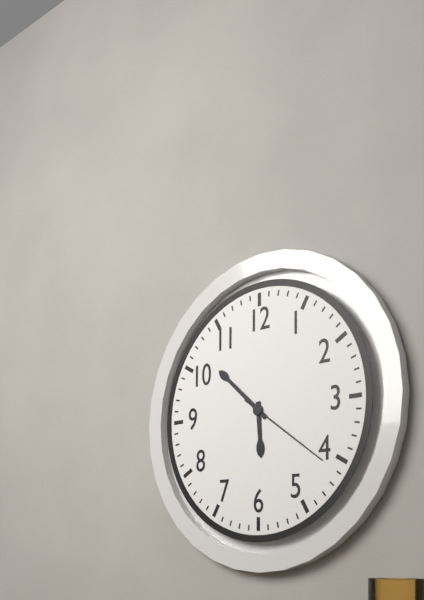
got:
5:52:21
